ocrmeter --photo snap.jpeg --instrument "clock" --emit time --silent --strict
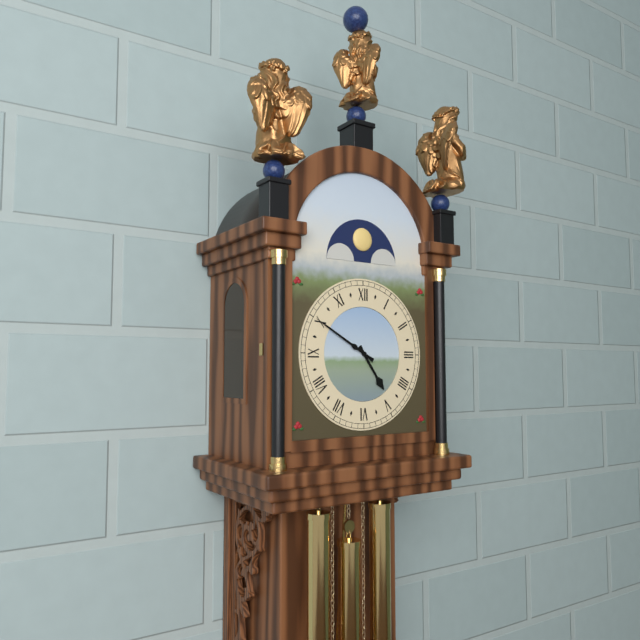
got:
4:50
